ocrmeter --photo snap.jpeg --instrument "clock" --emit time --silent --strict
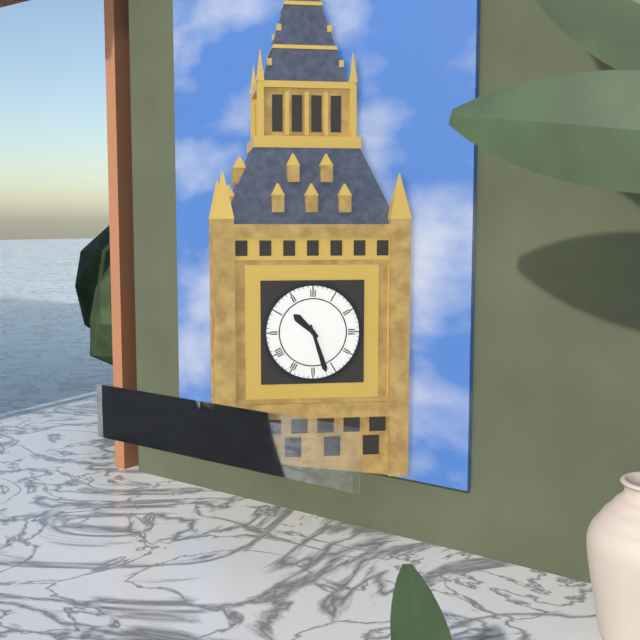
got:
10:27
